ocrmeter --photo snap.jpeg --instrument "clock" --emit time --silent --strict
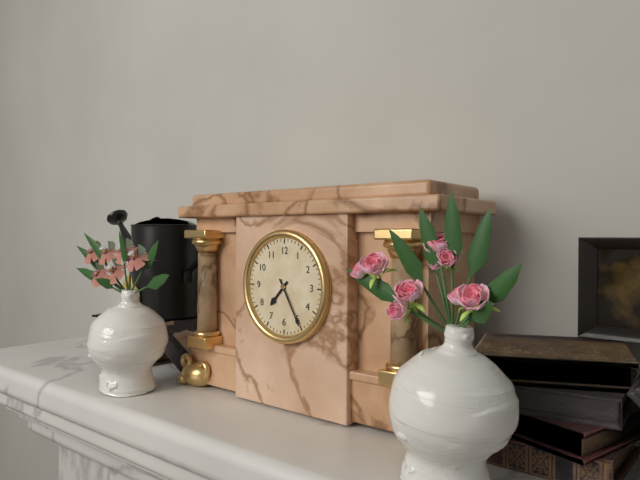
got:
7:25
